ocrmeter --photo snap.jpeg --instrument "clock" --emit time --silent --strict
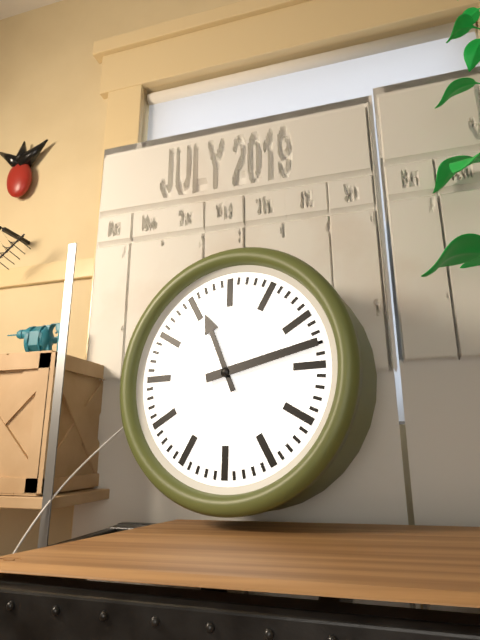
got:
11:13
